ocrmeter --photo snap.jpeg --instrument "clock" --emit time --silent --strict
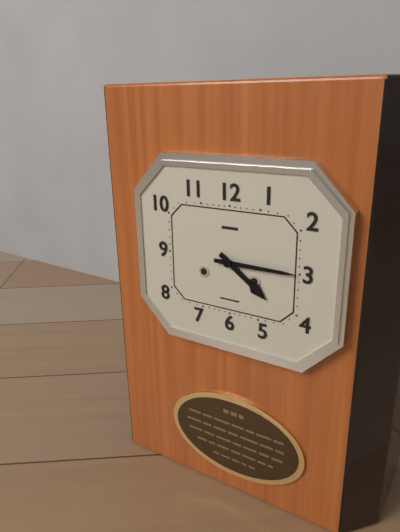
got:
4:15
